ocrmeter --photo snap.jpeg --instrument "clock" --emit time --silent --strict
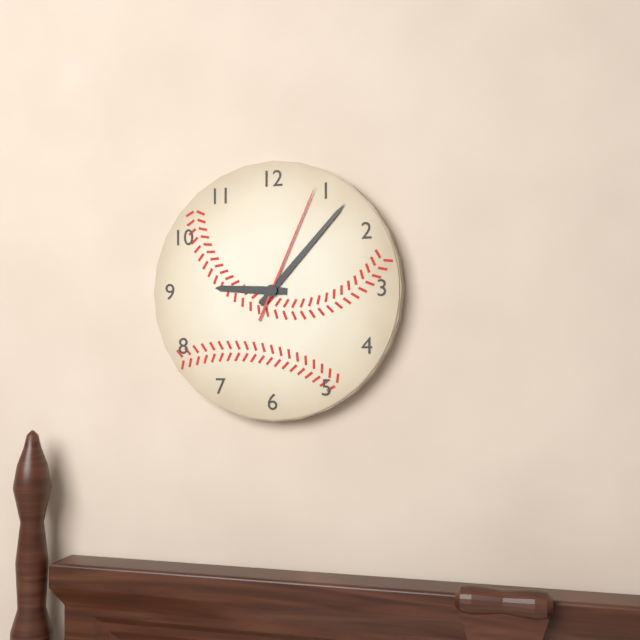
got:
9:07:04
